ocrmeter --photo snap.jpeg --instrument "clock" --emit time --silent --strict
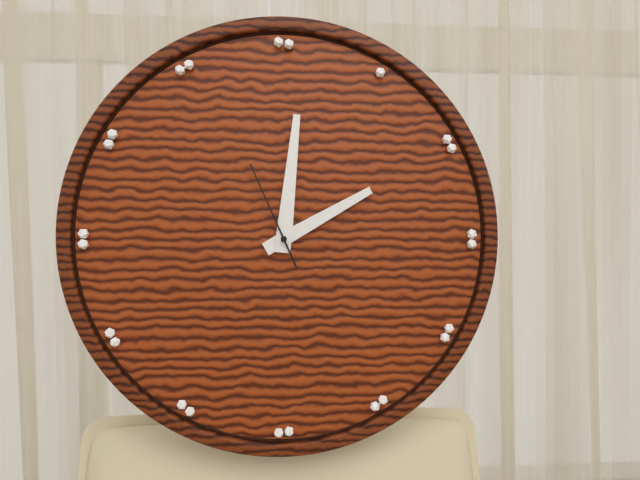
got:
2:01:56
